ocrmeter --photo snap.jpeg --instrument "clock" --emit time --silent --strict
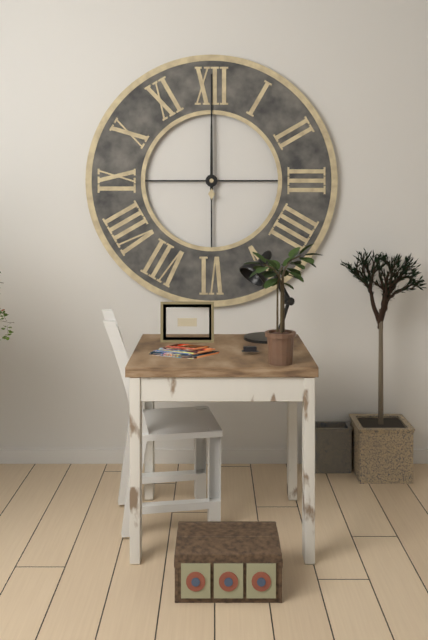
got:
12:00
